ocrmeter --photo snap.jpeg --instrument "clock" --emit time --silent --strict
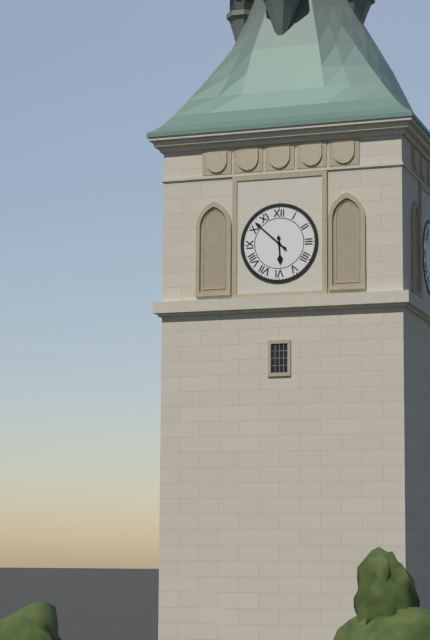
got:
5:52
